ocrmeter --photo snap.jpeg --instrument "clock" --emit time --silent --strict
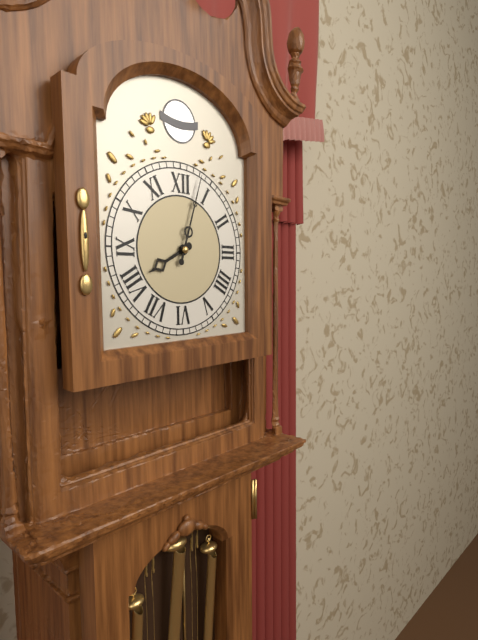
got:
8:03
